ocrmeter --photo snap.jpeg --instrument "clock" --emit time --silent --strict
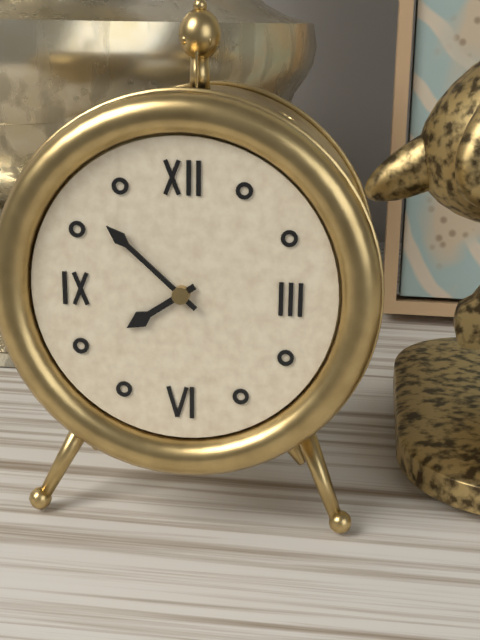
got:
7:52
